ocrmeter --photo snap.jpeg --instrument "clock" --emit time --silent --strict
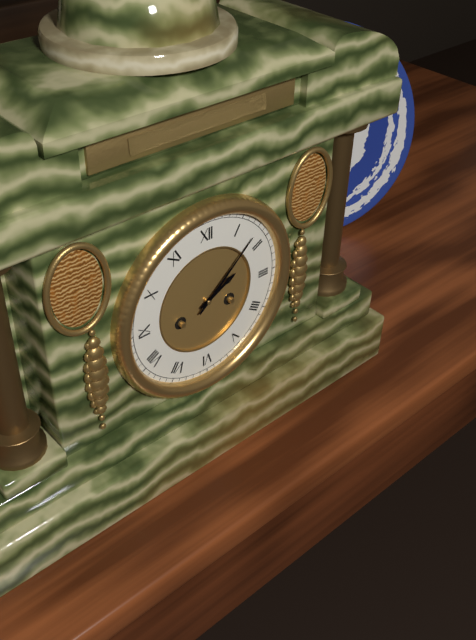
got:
2:08
